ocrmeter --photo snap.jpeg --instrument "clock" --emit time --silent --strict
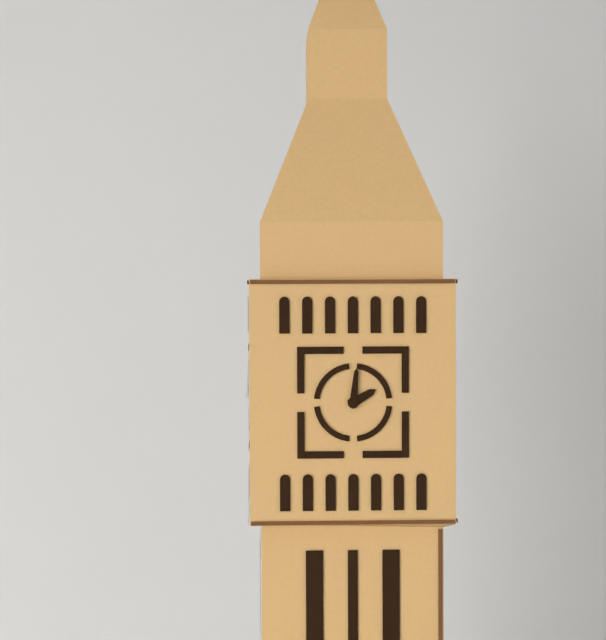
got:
2:01
